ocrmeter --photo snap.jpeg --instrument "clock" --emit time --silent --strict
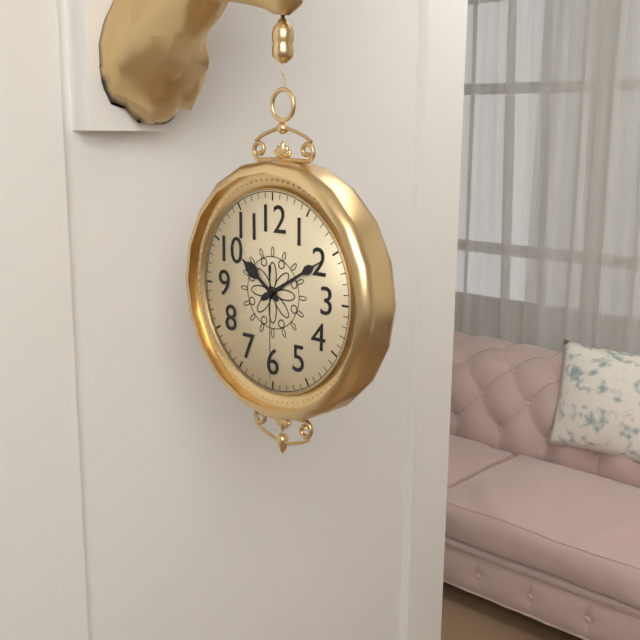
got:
10:10:30
